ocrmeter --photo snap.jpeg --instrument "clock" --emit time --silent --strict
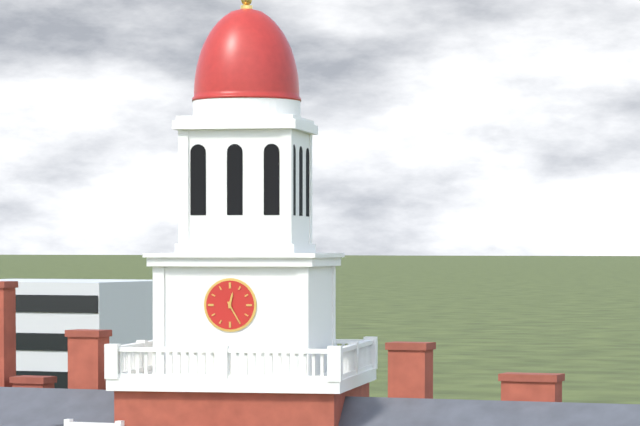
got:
12:25
